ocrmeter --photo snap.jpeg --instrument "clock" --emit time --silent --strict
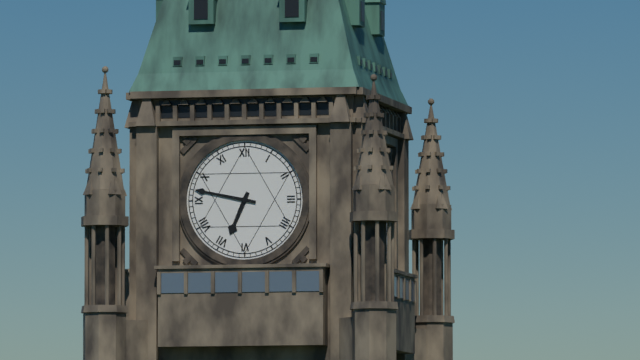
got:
6:47
